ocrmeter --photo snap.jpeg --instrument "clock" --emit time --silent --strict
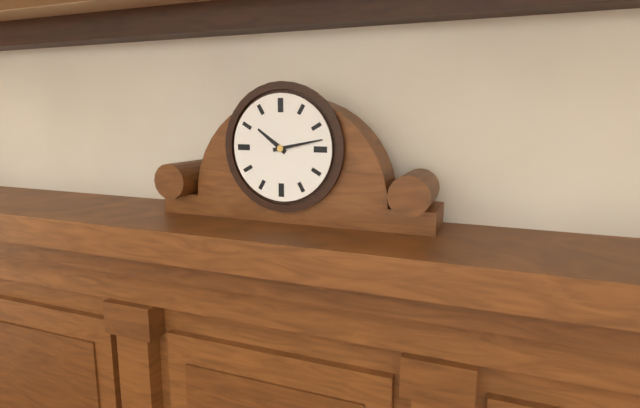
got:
10:13
